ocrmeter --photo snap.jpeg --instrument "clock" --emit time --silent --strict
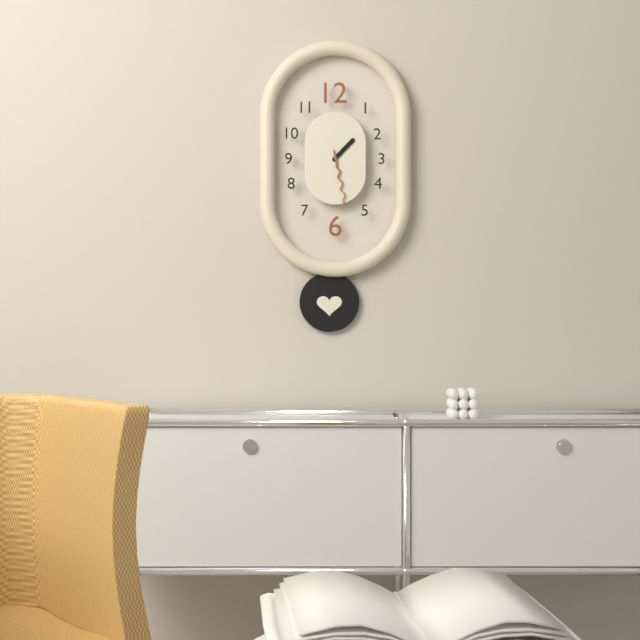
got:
1:28
